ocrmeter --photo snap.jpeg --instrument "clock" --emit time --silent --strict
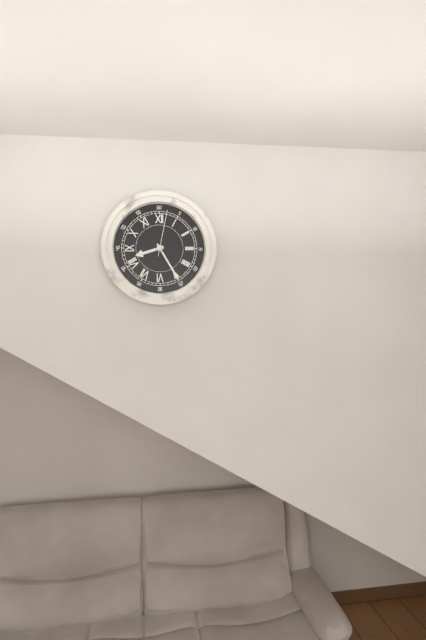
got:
8:25
